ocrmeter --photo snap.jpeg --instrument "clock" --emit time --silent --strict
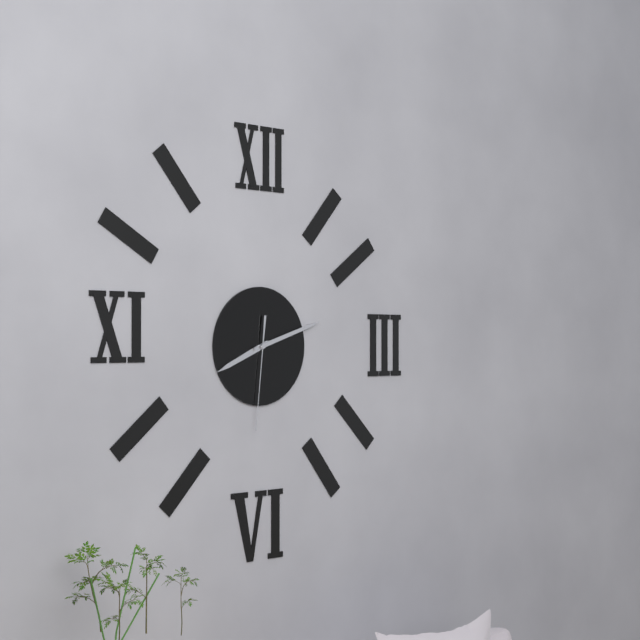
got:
8:12:31
